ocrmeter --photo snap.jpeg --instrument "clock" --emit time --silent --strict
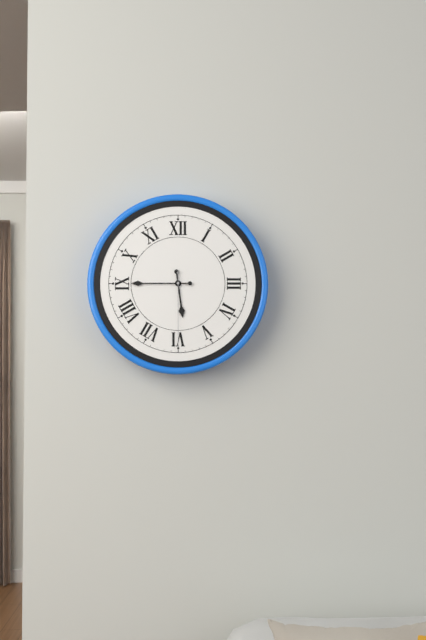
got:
5:45:30
